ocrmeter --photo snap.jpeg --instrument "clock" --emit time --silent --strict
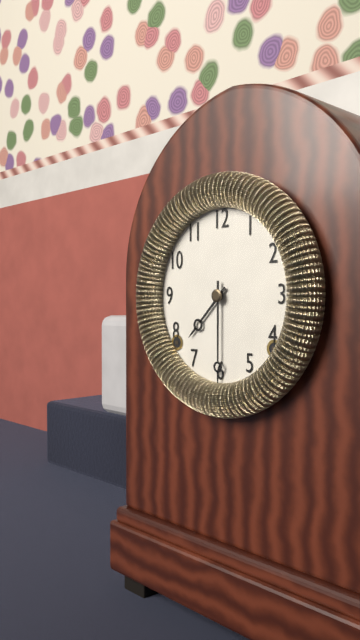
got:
7:30
